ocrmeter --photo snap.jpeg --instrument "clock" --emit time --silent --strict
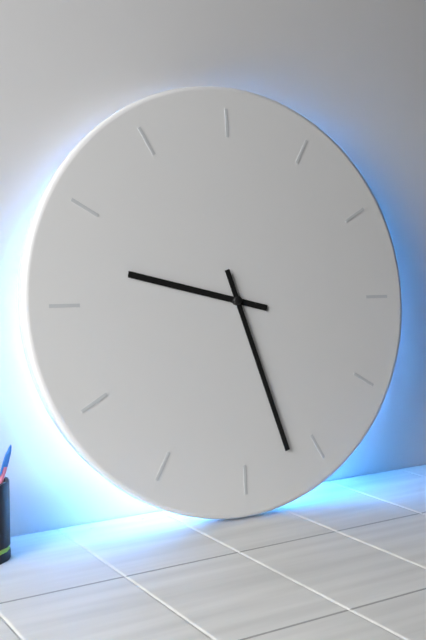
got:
9:27
